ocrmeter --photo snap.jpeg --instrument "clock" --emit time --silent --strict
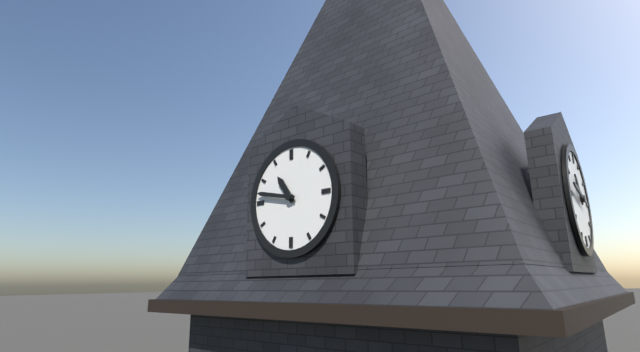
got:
10:47
